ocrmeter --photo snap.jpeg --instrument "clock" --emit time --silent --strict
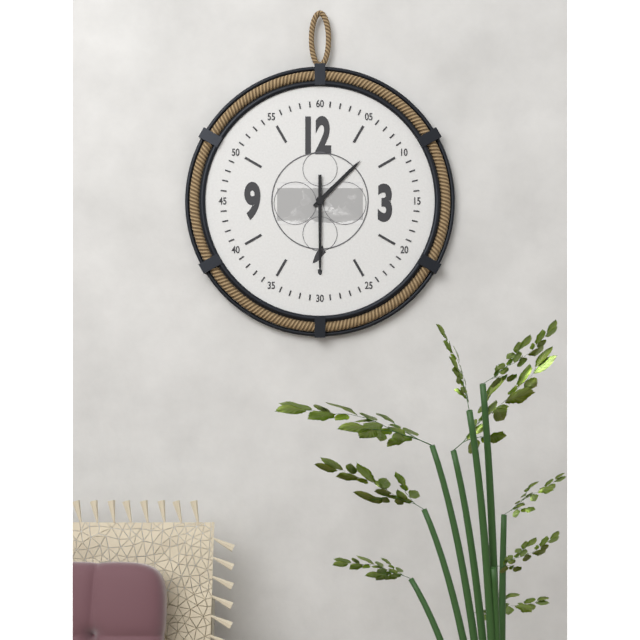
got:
1:30
